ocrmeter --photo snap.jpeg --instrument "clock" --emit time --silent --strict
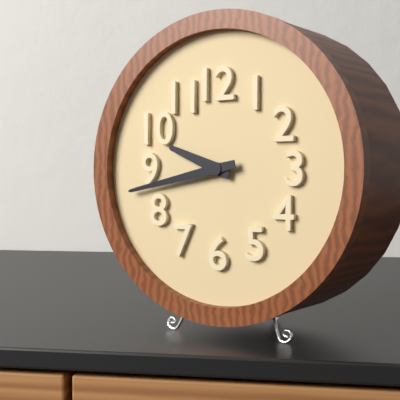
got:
9:43
